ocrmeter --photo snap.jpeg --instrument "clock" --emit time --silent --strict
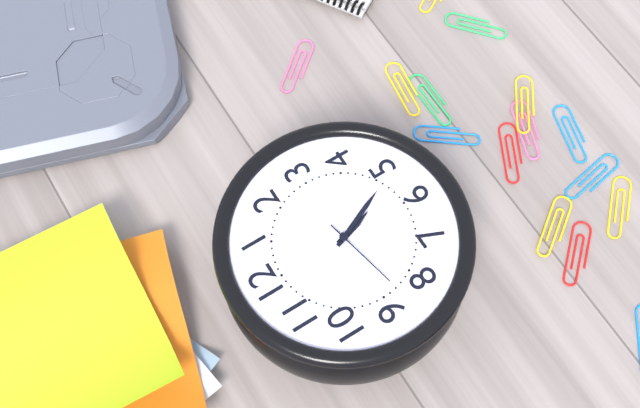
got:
5:26:43
